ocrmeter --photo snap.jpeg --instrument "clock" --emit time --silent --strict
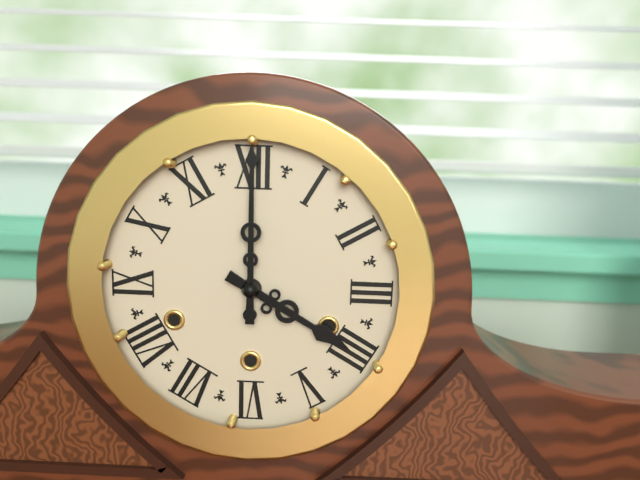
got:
4:00
